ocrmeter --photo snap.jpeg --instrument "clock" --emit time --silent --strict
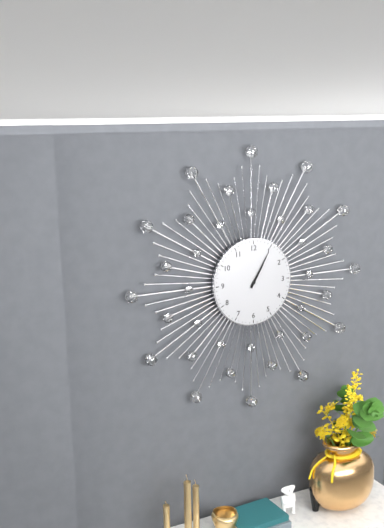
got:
1:05
